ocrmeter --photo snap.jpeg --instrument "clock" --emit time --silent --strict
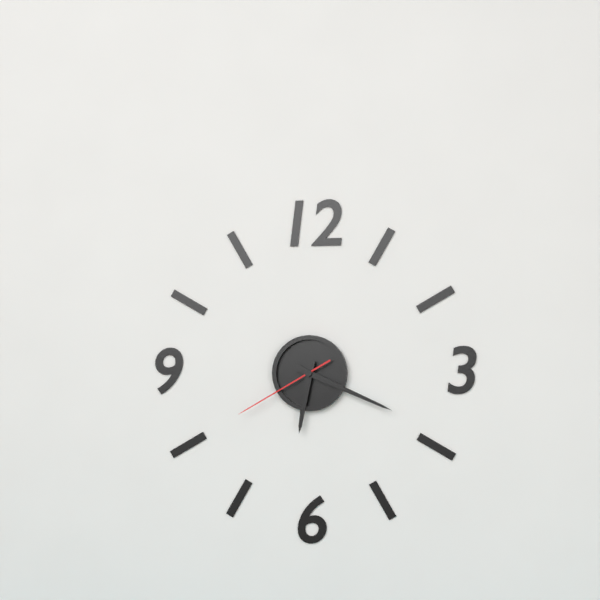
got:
6:19:40
